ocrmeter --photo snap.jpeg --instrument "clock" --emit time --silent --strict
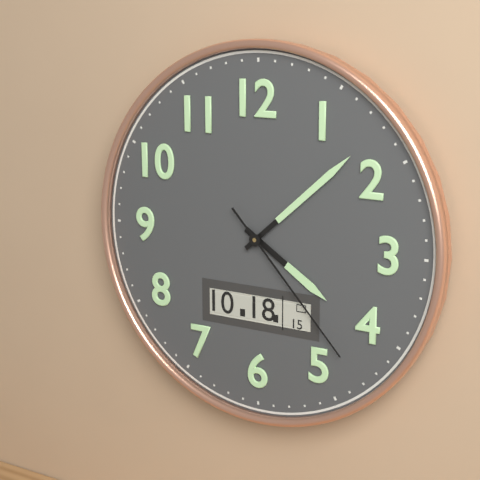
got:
4:08:23
